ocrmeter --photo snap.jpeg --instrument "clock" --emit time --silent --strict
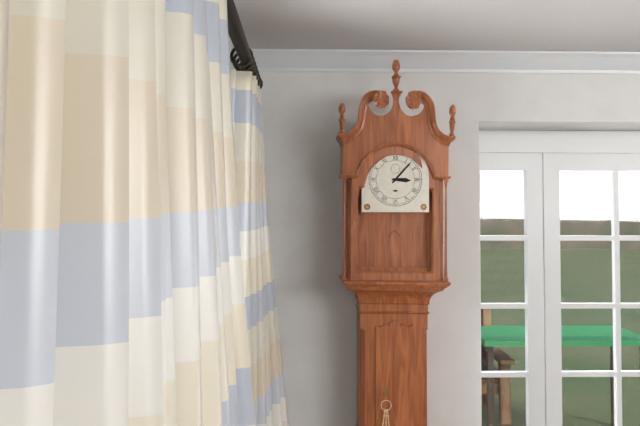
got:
3:07
